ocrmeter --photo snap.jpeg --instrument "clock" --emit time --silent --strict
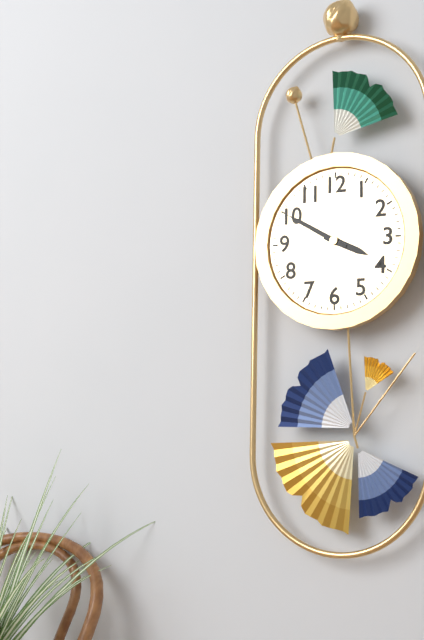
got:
3:50
